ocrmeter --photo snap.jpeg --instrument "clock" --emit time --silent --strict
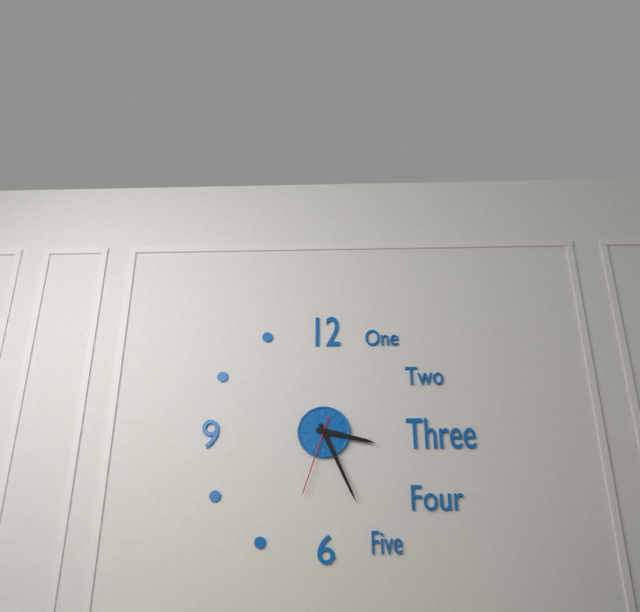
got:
3:26:33
